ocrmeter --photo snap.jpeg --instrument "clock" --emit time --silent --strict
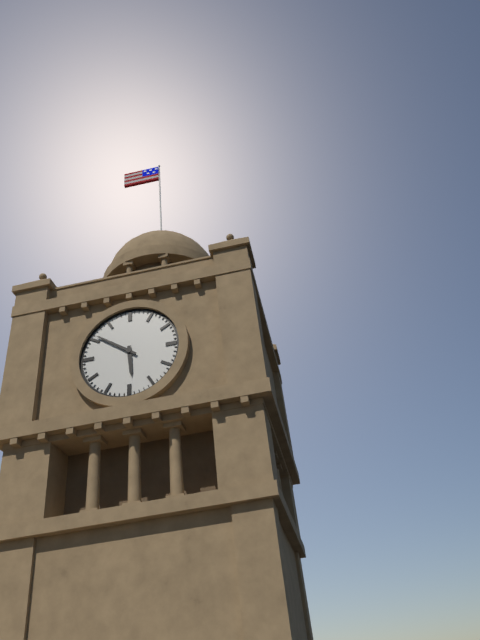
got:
5:51
